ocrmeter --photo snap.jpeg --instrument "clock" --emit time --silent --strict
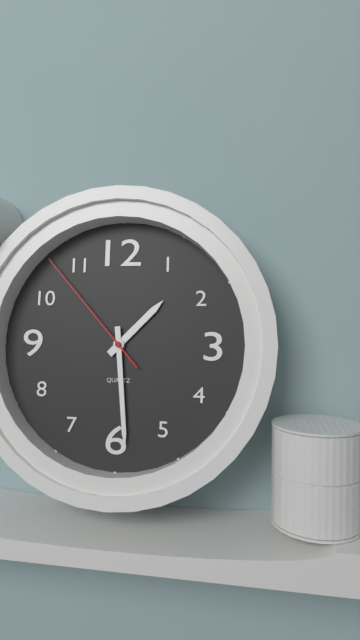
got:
1:29:53
